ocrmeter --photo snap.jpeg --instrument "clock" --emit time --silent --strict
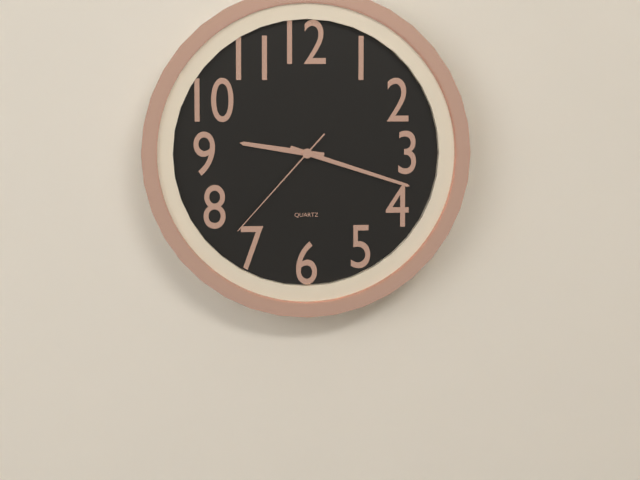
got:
9:18:37
